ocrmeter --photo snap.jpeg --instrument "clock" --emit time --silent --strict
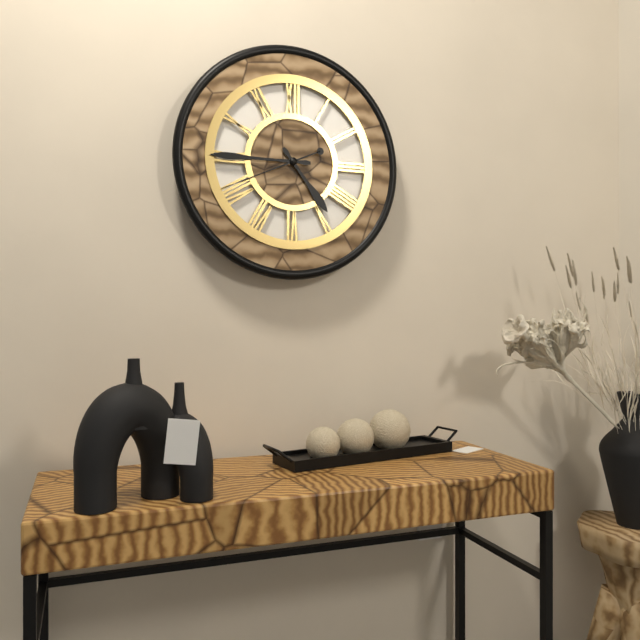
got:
4:45:41
